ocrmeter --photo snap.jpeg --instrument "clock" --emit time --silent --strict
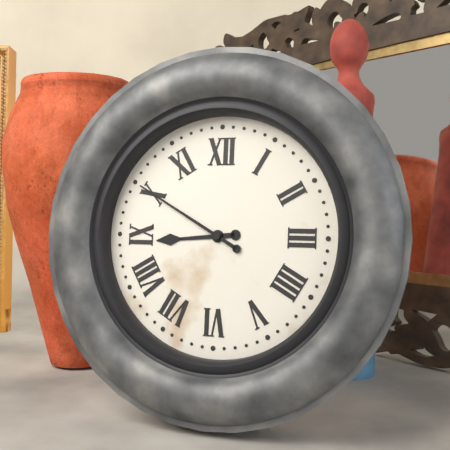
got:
8:50
